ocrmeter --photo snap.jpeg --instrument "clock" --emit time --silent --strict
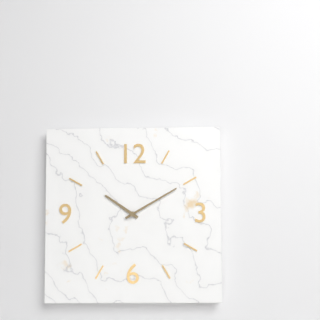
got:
10:10
